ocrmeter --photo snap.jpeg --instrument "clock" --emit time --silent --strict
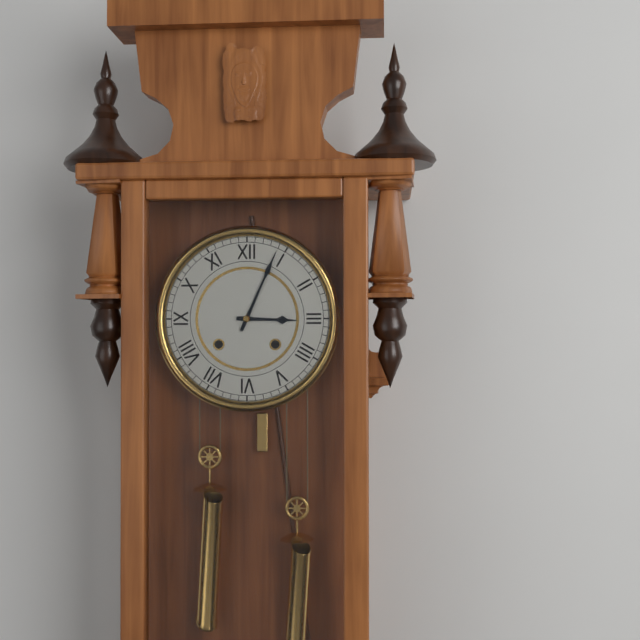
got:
3:04
